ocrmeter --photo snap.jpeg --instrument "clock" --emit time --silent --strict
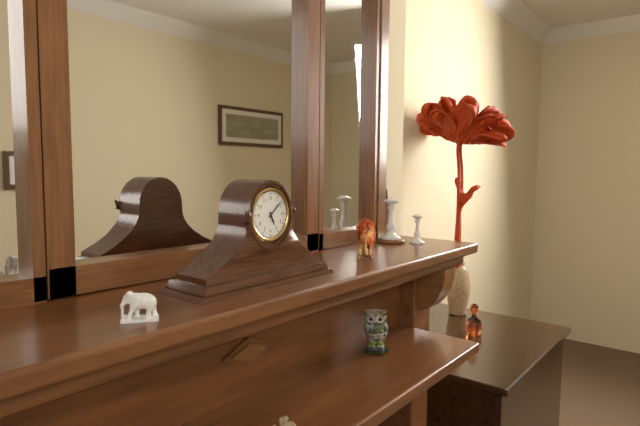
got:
5:08
